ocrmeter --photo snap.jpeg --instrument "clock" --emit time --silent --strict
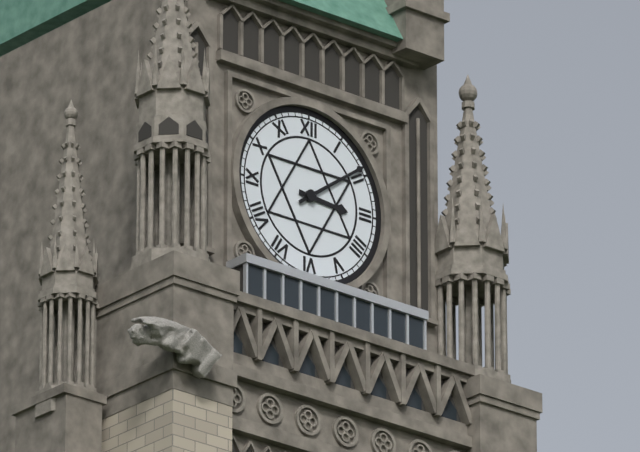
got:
3:09
